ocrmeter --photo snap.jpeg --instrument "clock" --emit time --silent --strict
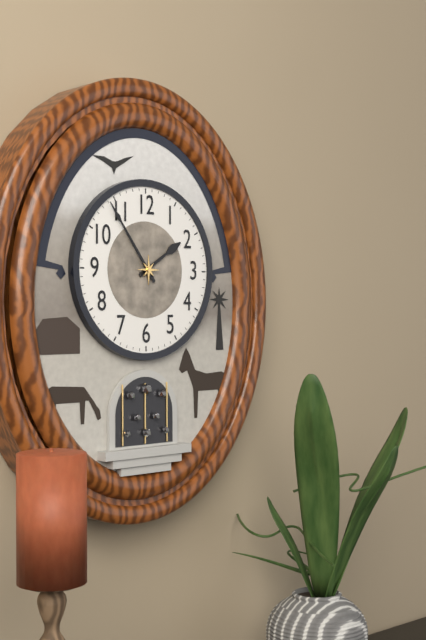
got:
1:54
